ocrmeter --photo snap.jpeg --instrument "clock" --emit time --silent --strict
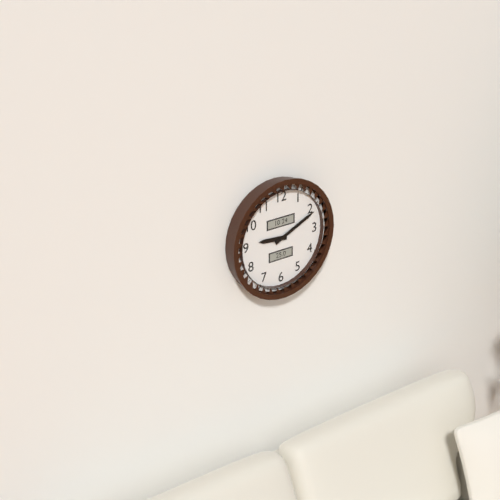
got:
9:11
